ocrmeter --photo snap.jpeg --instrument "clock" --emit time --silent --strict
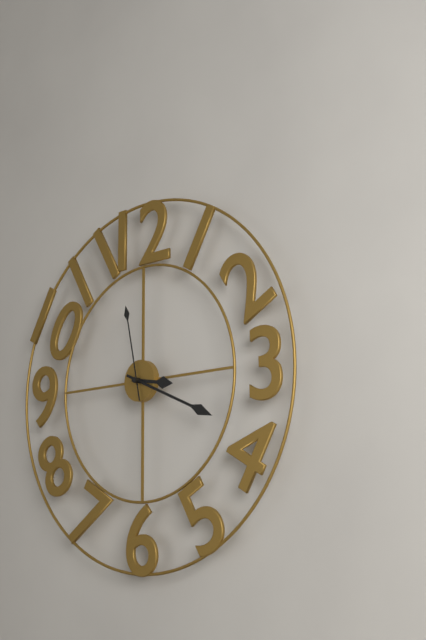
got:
3:19:58
